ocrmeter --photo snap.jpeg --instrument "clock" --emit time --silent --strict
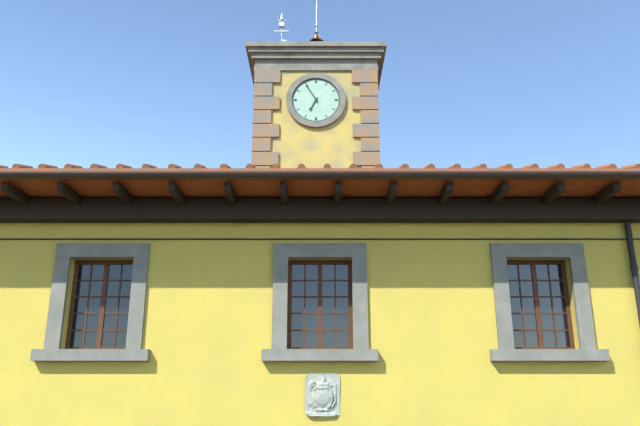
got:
6:55
